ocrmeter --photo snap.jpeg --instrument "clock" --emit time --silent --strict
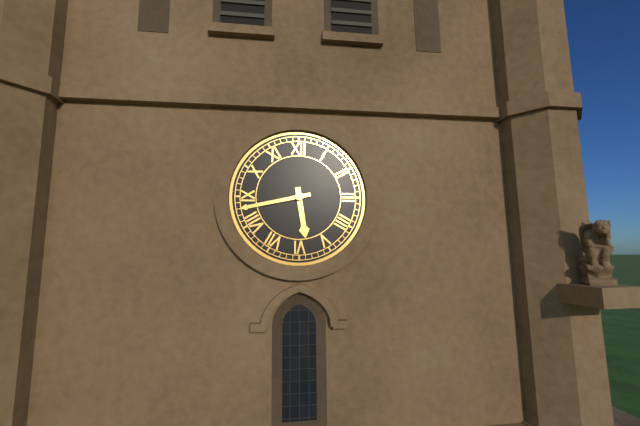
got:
5:43
